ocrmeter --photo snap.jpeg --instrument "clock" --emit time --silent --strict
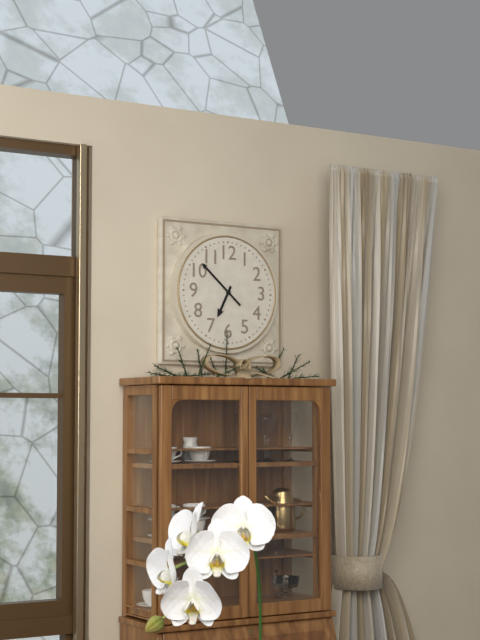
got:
6:52
